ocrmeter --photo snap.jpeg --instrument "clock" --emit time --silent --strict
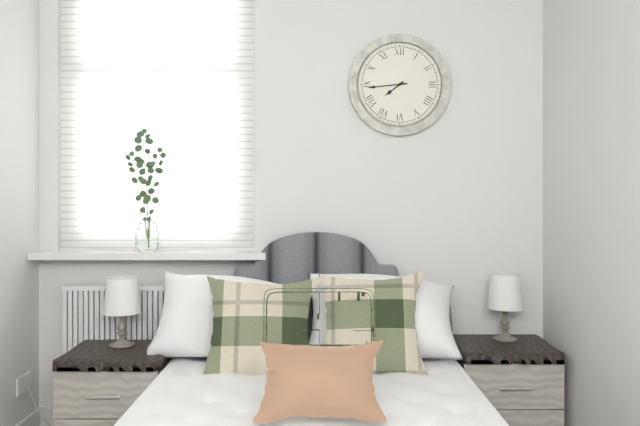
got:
7:44
